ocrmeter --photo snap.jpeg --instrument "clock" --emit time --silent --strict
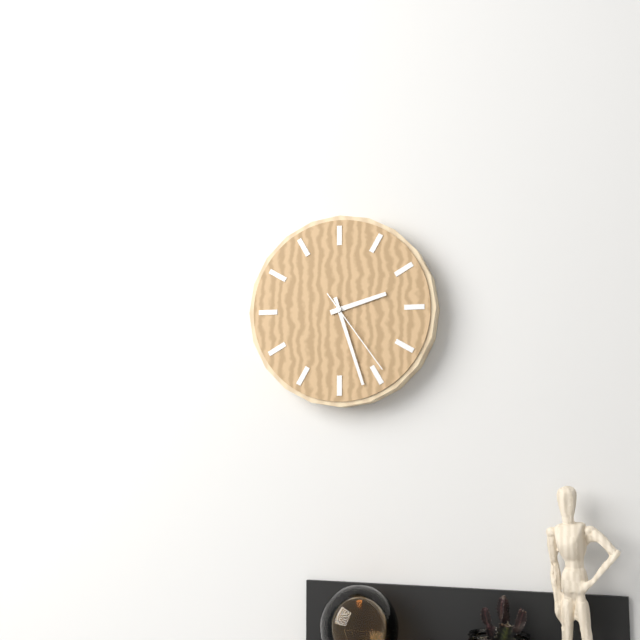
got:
2:27:24
